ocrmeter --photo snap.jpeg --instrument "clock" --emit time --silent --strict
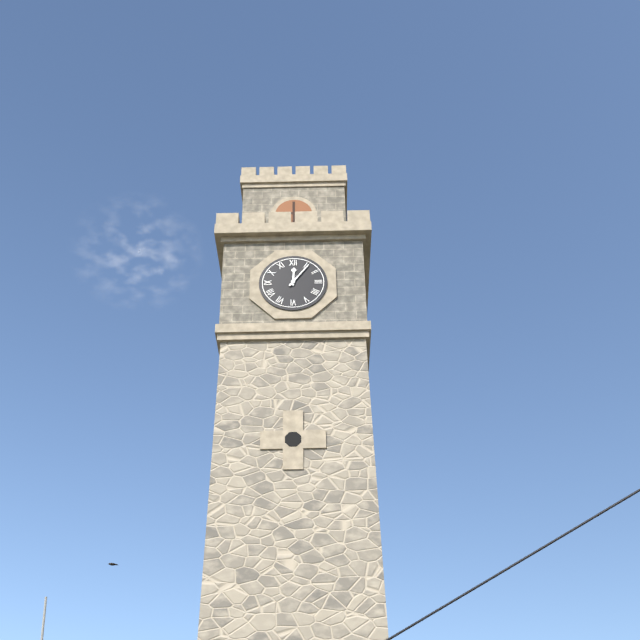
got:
12:06
